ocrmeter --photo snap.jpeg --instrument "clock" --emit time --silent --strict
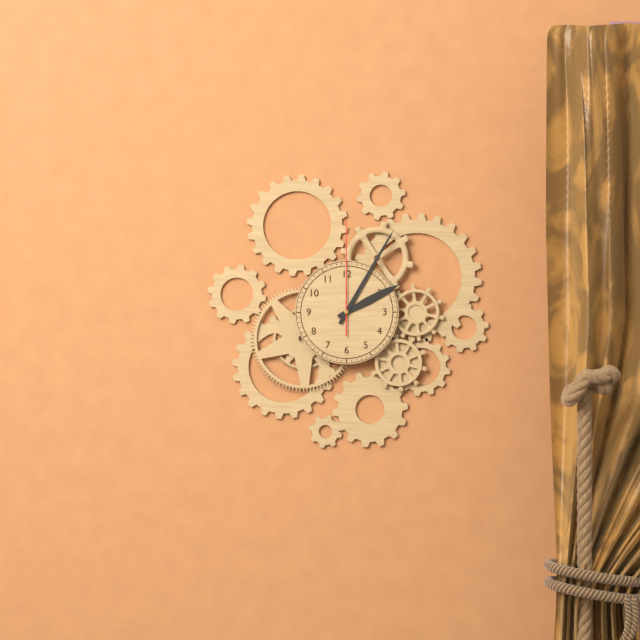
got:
2:05:00
